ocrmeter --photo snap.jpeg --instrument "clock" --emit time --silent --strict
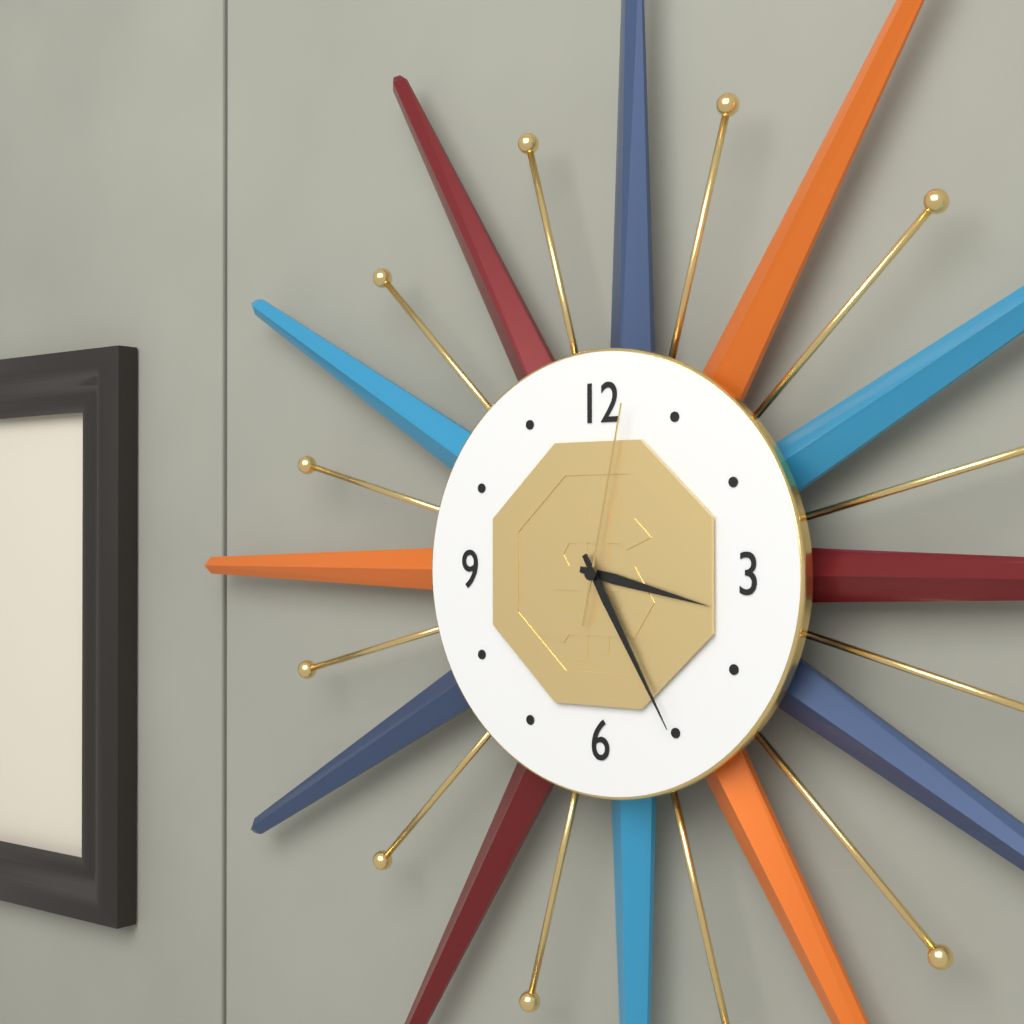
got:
3:25:02
